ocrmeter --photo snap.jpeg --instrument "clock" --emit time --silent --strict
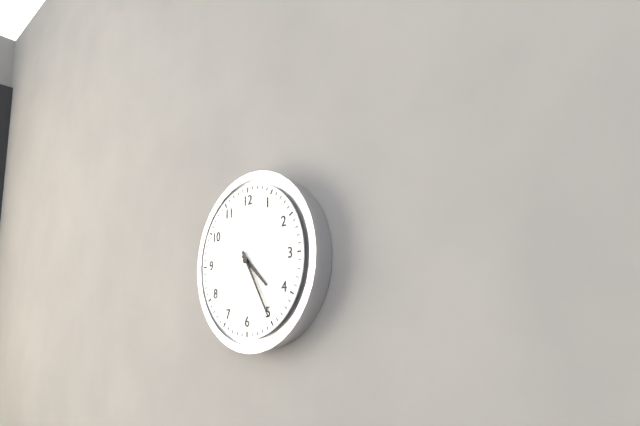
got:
4:25
